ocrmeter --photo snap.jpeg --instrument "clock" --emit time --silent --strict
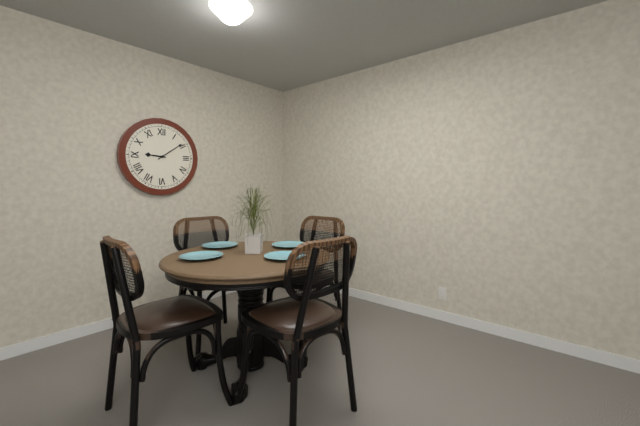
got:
9:09
